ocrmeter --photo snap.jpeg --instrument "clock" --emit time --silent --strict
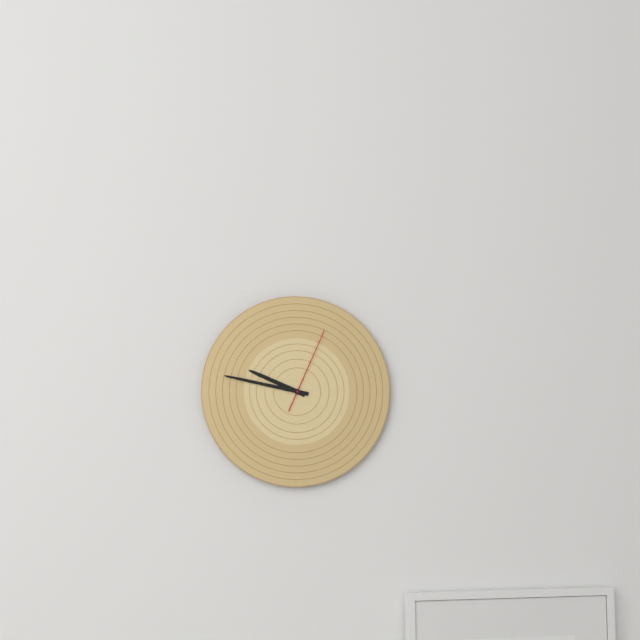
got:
9:47:04
